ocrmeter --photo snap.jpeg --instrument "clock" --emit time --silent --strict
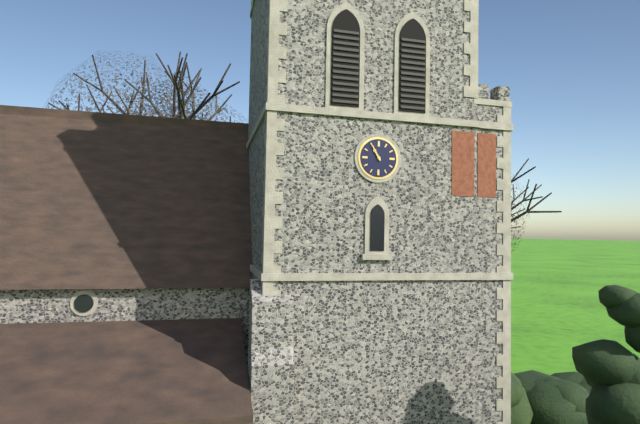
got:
10:55
